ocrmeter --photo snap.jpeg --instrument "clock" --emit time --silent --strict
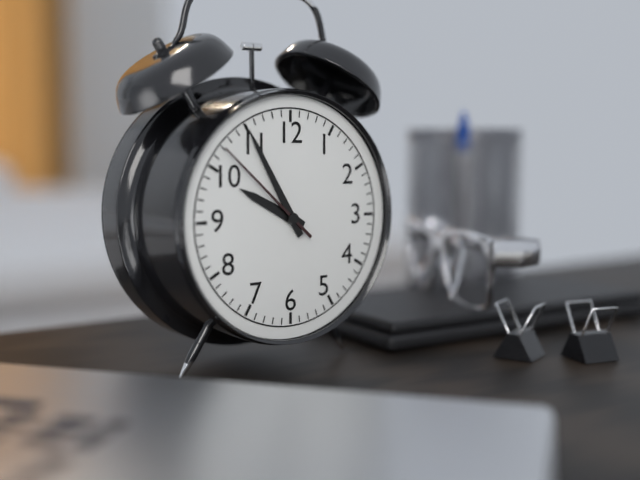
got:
9:55:52
